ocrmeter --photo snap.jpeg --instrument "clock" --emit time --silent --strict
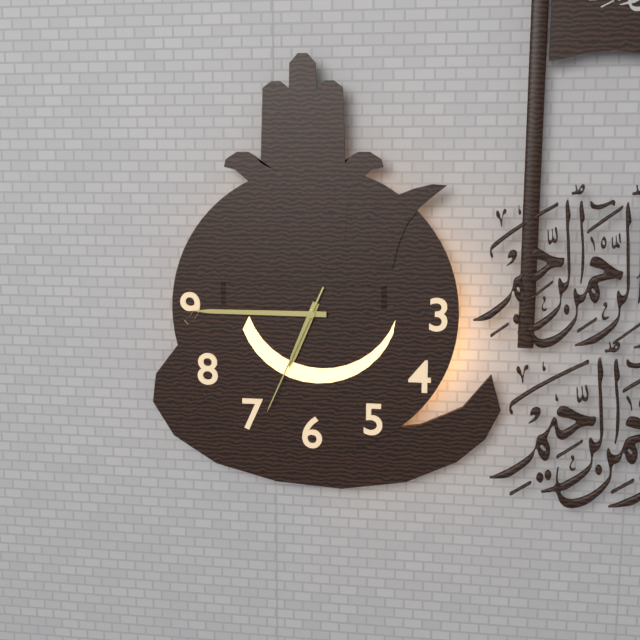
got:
6:45:34
